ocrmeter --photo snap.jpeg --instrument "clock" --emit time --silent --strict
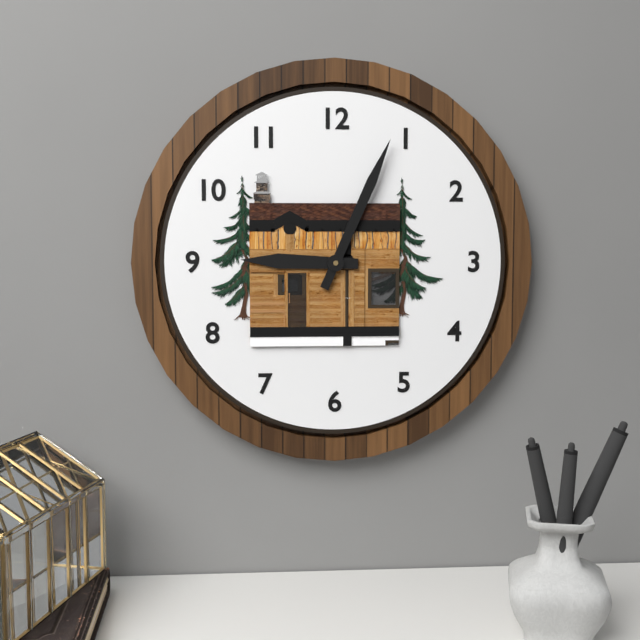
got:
9:04
